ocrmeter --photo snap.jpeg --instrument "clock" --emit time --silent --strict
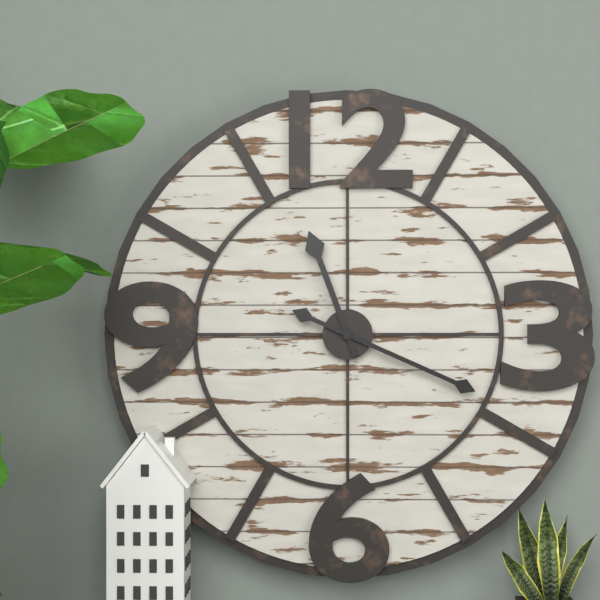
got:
11:19
